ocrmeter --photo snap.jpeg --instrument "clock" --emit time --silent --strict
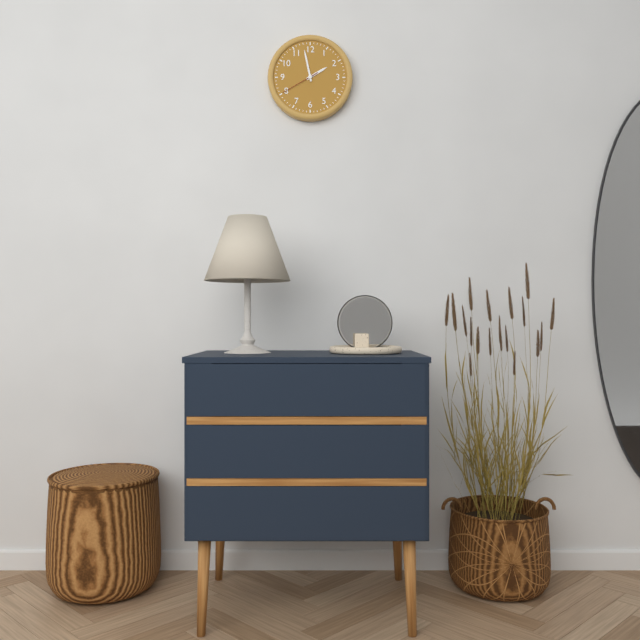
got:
1:58
